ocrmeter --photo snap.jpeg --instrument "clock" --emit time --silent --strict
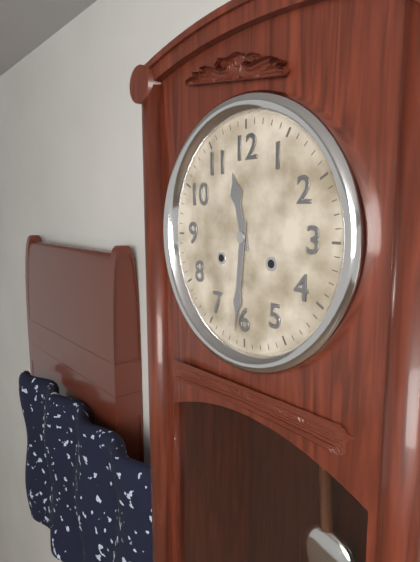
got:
11:31
